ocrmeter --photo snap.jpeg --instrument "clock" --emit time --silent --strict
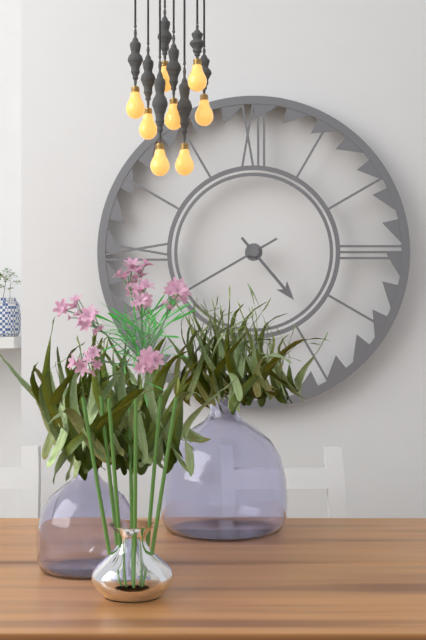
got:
4:40
